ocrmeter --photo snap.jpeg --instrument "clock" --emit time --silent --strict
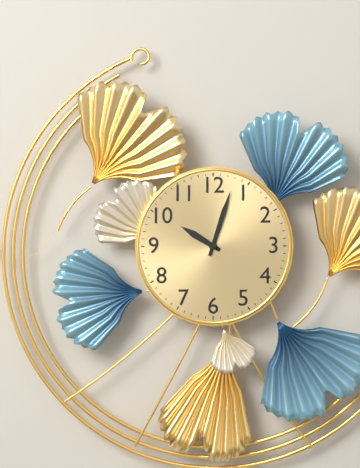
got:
10:03
